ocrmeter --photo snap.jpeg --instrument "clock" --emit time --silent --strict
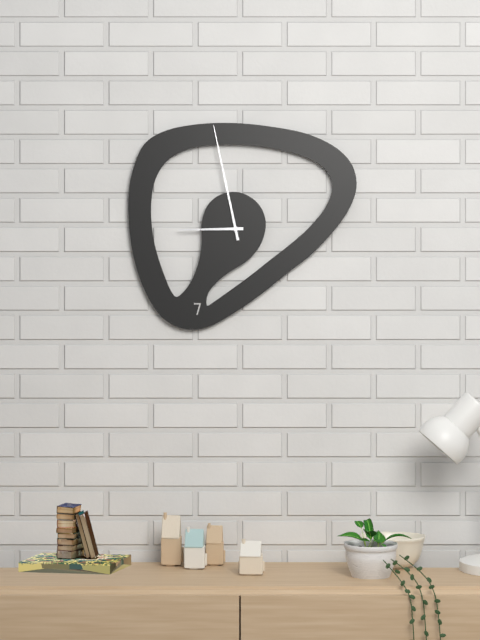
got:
8:58
